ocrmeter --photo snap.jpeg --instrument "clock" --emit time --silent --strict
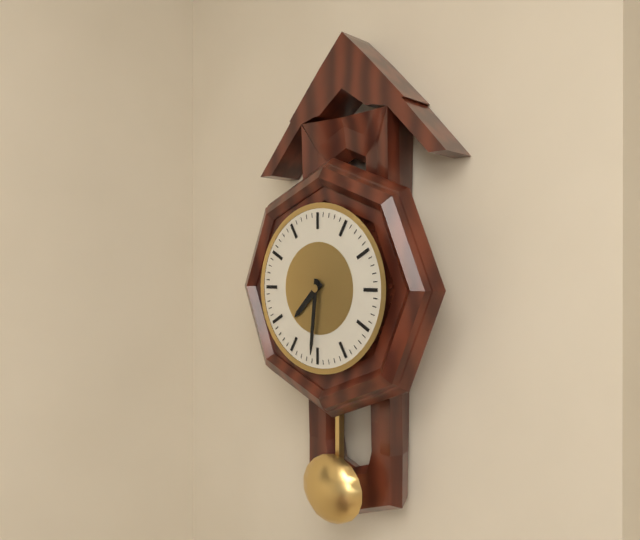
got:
7:31
